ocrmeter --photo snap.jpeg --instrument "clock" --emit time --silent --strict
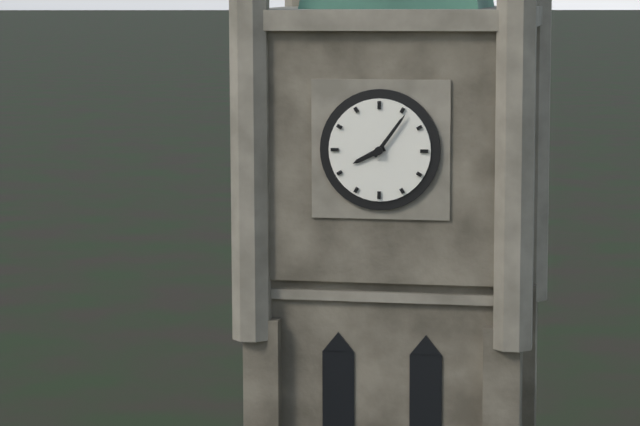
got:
8:06
